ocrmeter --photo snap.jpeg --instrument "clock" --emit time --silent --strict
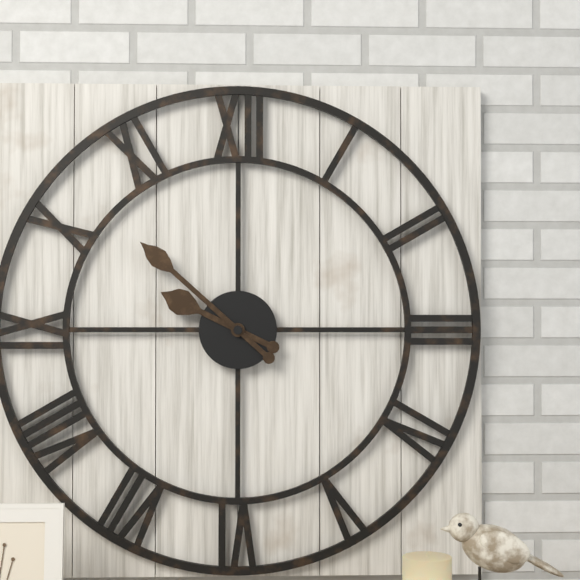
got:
9:52
